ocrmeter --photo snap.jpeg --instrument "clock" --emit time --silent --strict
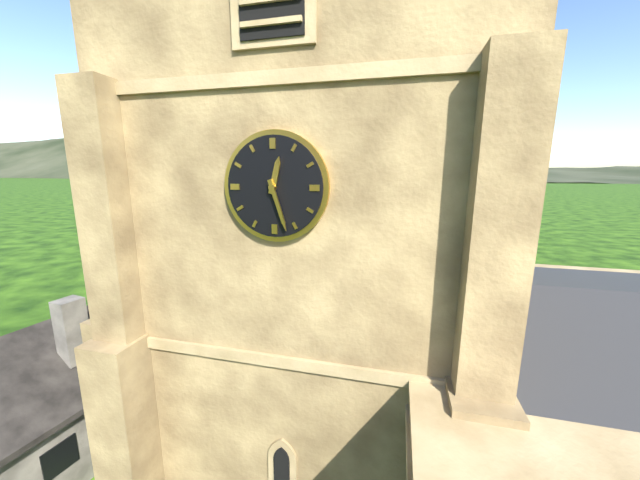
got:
12:27
